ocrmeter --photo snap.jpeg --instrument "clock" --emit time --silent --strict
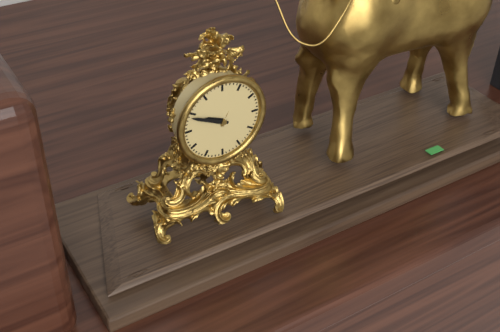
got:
9:49
